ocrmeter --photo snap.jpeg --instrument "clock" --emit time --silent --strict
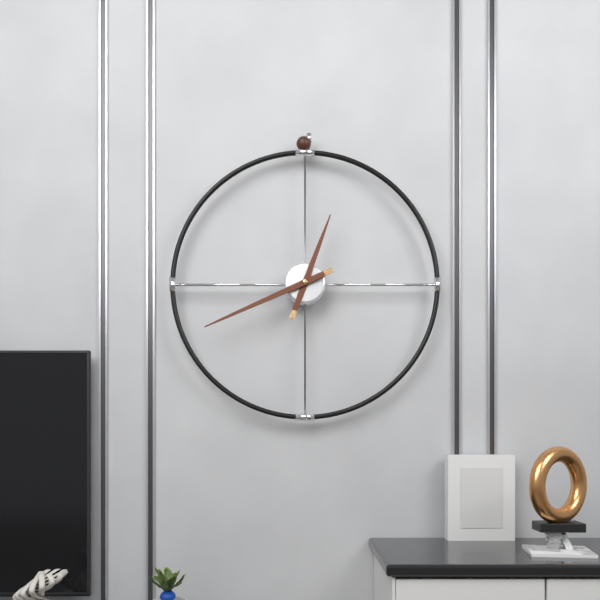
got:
12:41
